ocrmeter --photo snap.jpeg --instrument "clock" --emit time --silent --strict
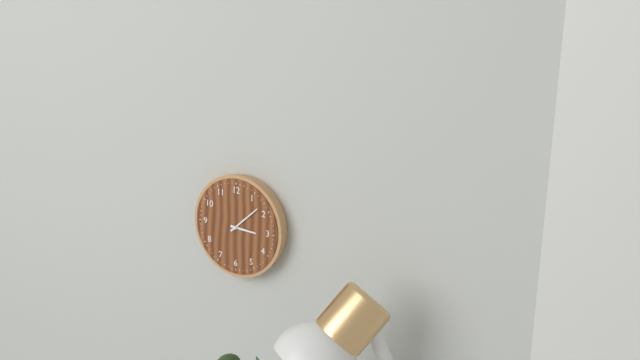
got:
3:08
